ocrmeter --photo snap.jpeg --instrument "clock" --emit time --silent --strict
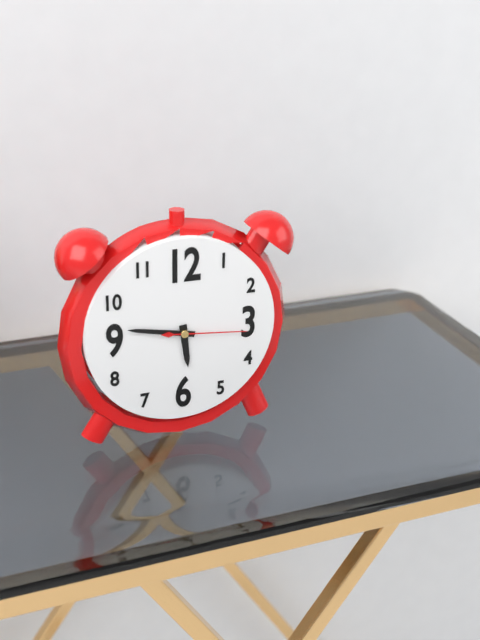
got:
5:47:16
